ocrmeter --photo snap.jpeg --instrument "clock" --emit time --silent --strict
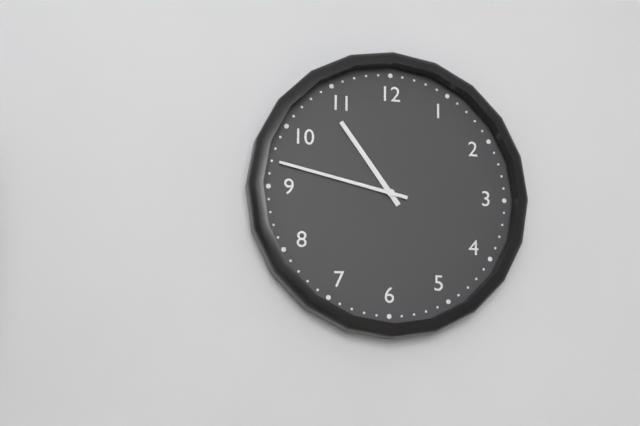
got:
10:47
